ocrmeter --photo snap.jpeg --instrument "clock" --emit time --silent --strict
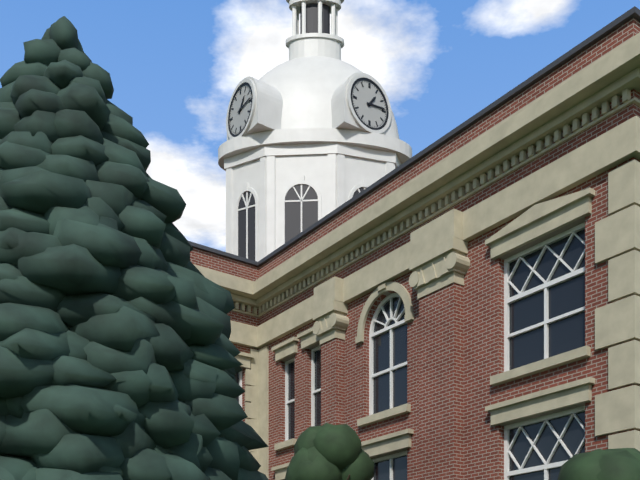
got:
1:14
